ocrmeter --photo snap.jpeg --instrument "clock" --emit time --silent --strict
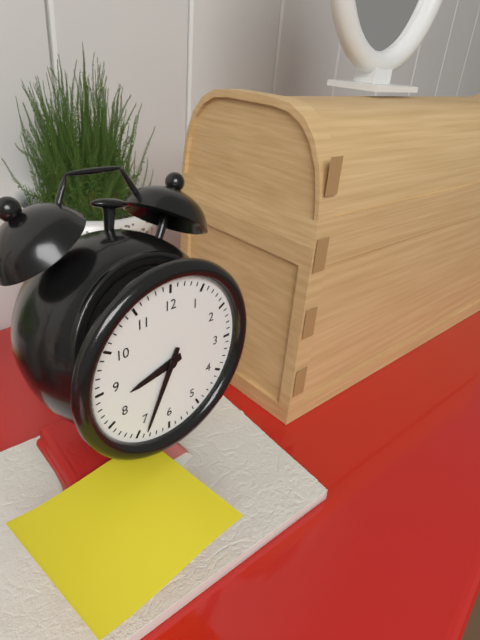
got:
8:34
